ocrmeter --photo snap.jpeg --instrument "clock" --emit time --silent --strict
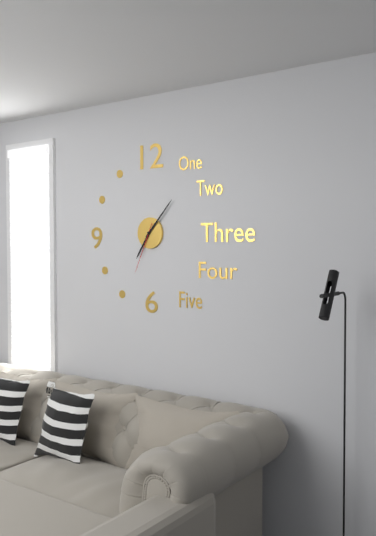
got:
7:07:34
